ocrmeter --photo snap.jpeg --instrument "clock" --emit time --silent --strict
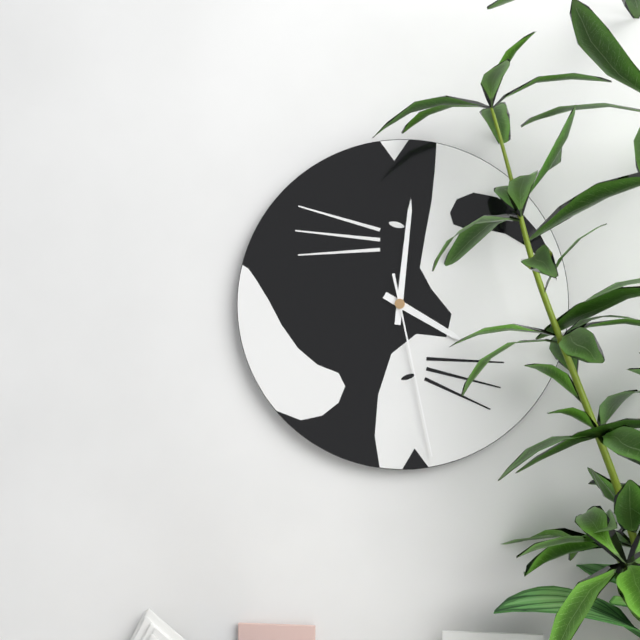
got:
4:01:28
